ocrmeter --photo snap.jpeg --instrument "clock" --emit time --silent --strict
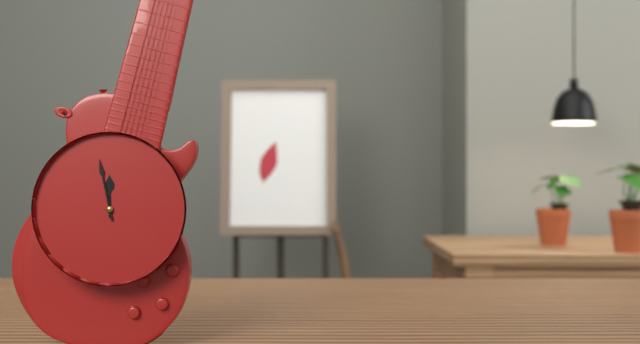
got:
11:58
